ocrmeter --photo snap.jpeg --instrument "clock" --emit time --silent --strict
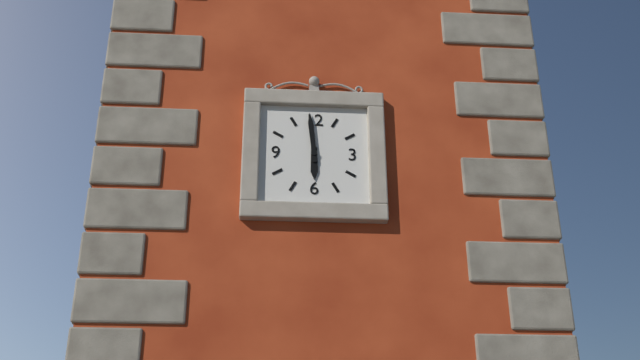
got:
5:59
